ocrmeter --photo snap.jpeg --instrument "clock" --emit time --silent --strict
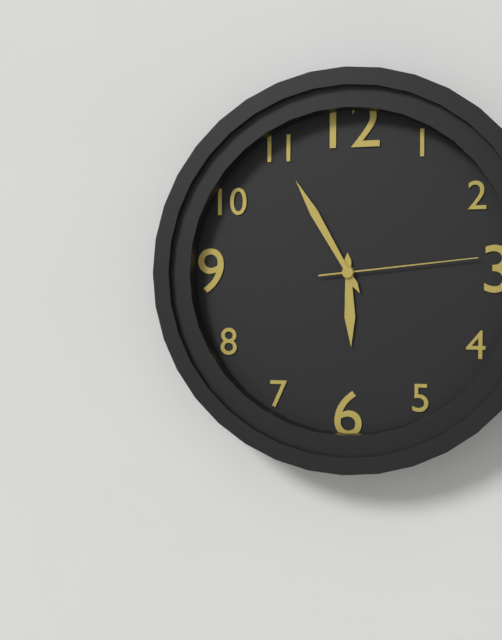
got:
5:55:14
